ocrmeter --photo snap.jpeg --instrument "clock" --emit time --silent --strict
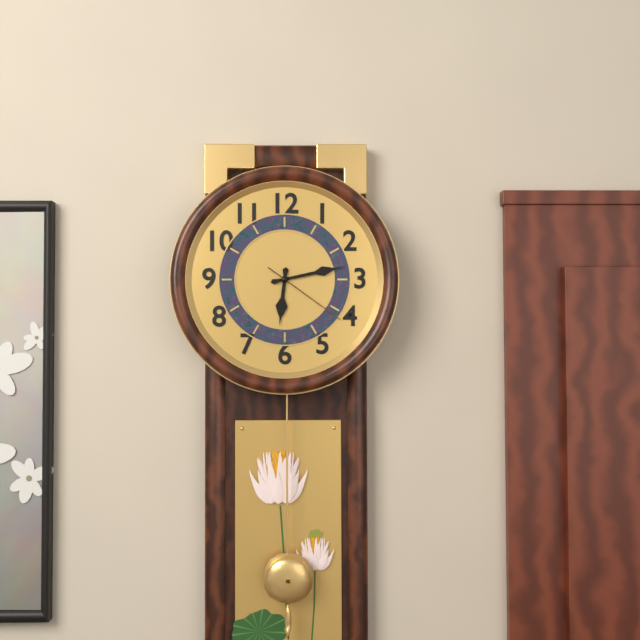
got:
6:13:21
